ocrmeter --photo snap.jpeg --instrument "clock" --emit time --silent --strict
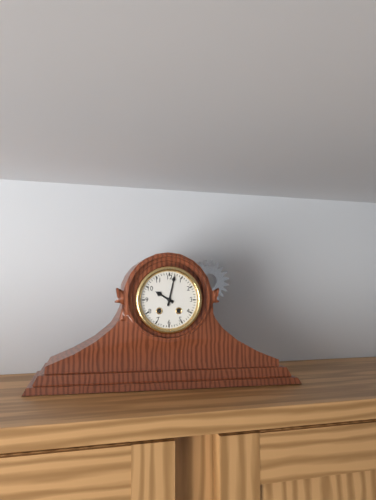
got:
10:02
